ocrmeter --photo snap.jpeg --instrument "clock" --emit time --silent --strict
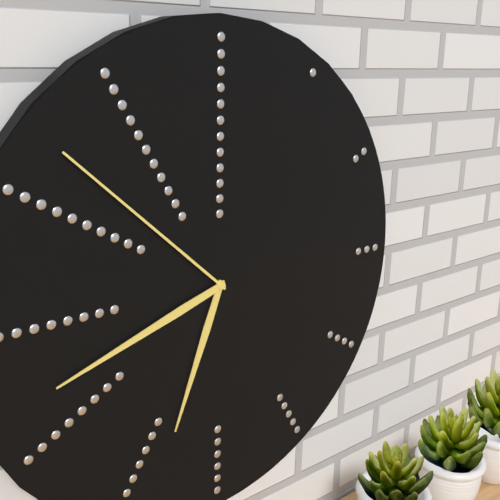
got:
6:42:52
